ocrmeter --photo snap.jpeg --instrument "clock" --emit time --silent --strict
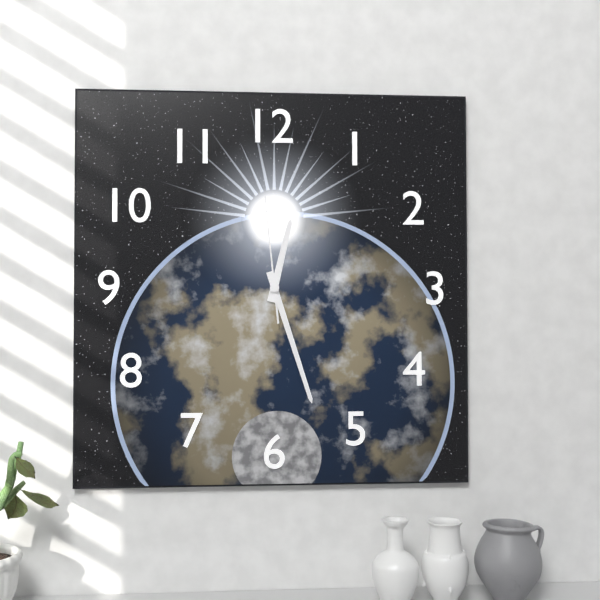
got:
12:27:59
